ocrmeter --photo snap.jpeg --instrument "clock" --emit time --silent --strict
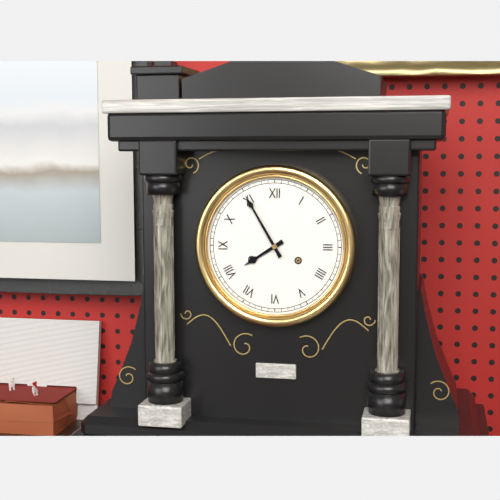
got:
7:55
